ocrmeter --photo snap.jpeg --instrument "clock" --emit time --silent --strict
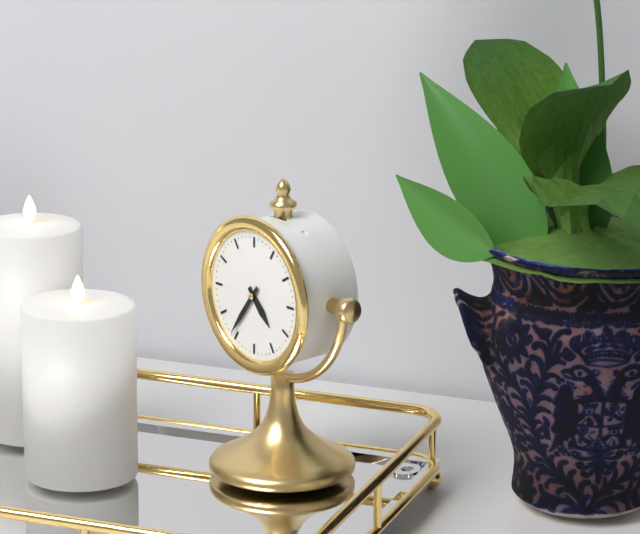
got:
4:36
